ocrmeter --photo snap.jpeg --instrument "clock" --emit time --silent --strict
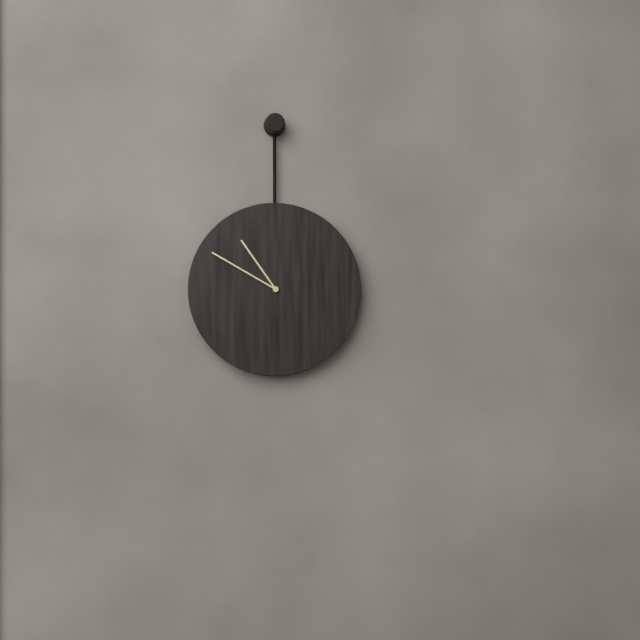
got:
10:50
